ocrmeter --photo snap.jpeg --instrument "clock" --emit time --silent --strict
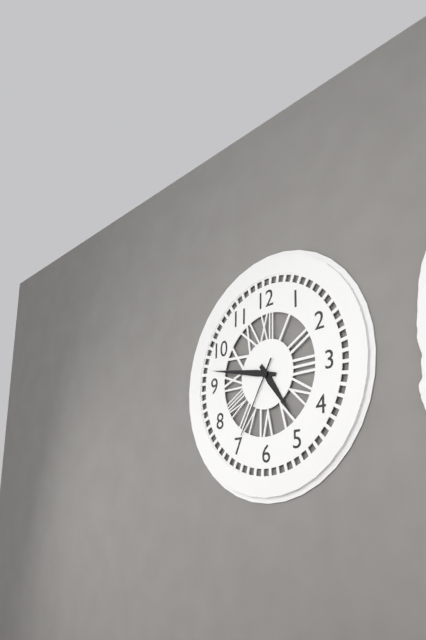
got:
4:47:35
